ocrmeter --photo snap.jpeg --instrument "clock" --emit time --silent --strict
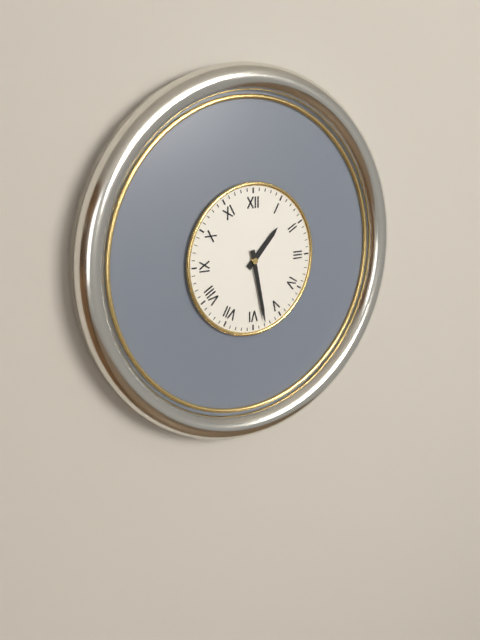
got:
1:28
